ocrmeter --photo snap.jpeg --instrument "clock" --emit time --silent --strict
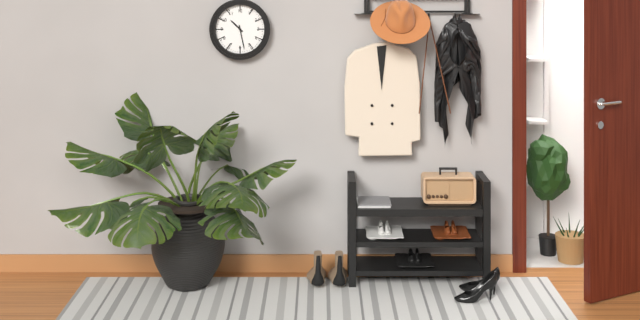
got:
10:28
